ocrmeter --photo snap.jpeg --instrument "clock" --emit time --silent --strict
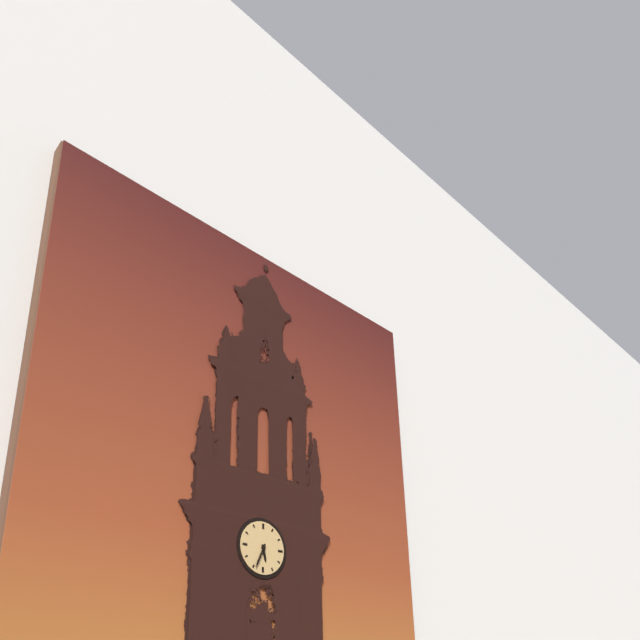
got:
5:34
